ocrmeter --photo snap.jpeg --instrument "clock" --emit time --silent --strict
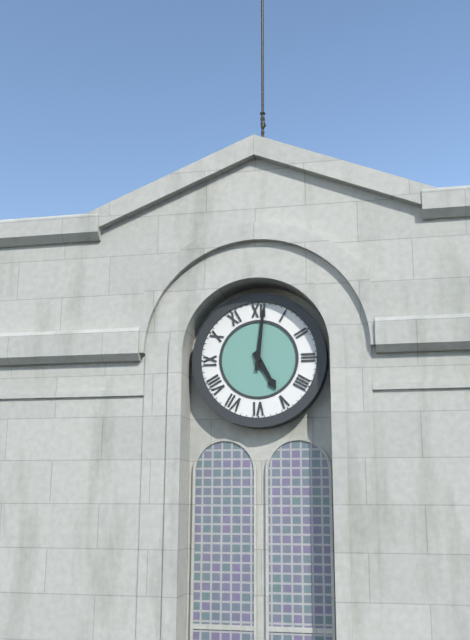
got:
5:01
